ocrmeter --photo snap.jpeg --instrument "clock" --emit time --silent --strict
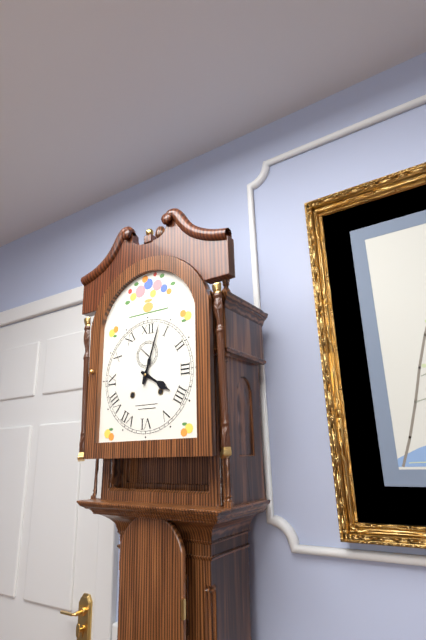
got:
4:03
